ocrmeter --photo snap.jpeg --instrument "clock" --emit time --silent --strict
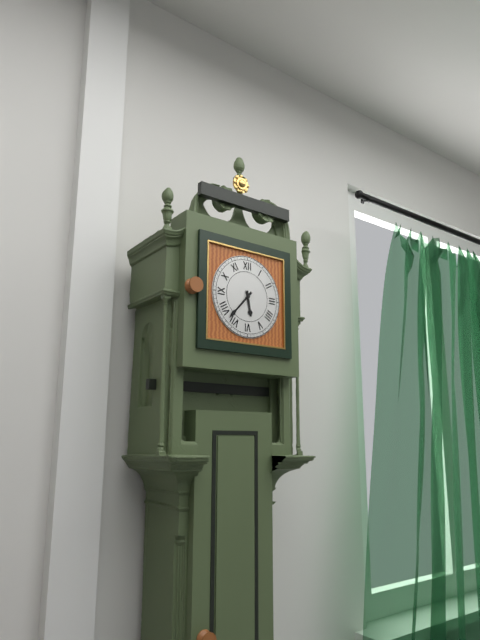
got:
5:37
